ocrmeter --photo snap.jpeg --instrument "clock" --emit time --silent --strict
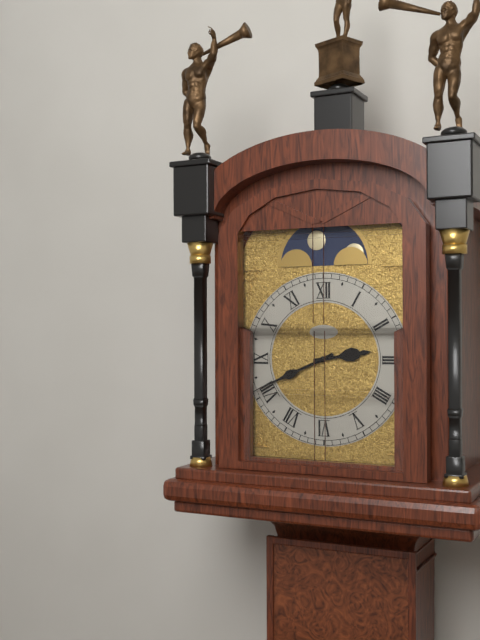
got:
2:41
